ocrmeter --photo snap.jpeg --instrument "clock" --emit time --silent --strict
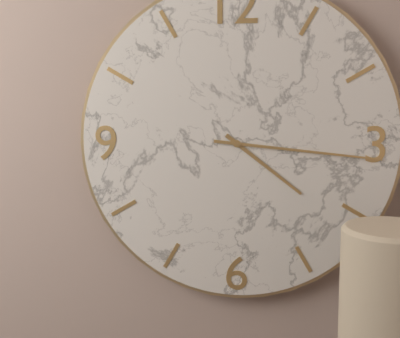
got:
4:16
